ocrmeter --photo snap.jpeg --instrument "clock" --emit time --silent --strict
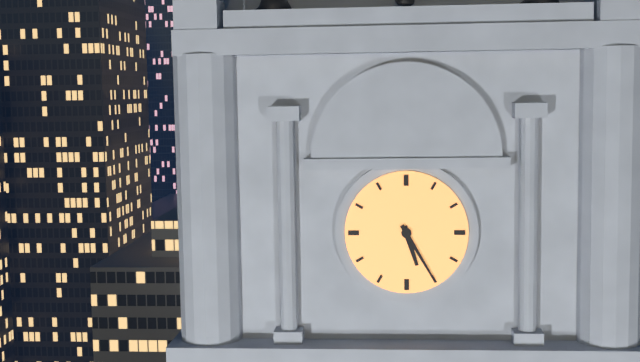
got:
5:25
